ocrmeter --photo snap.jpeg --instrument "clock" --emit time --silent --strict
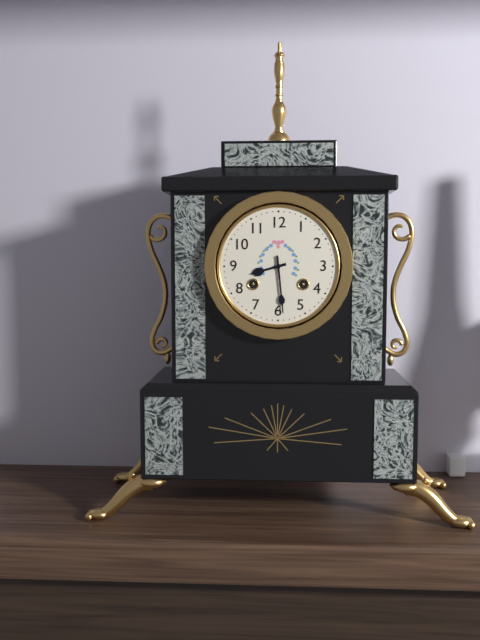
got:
8:29
